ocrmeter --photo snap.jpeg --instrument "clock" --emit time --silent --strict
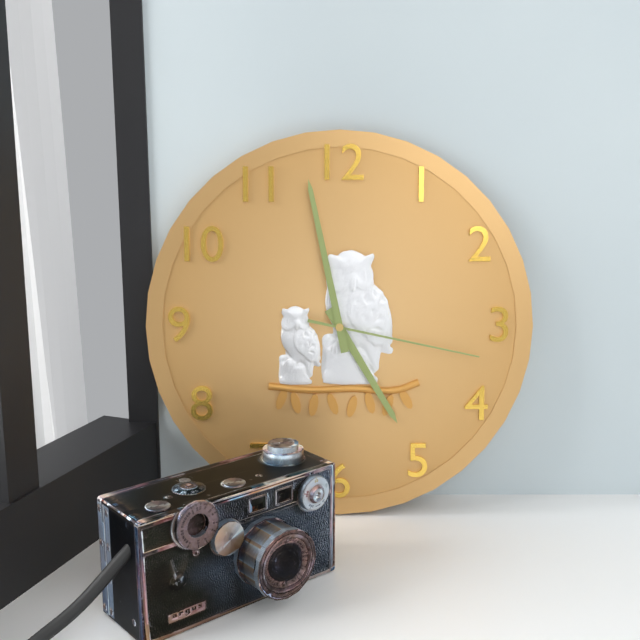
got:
4:58:17
